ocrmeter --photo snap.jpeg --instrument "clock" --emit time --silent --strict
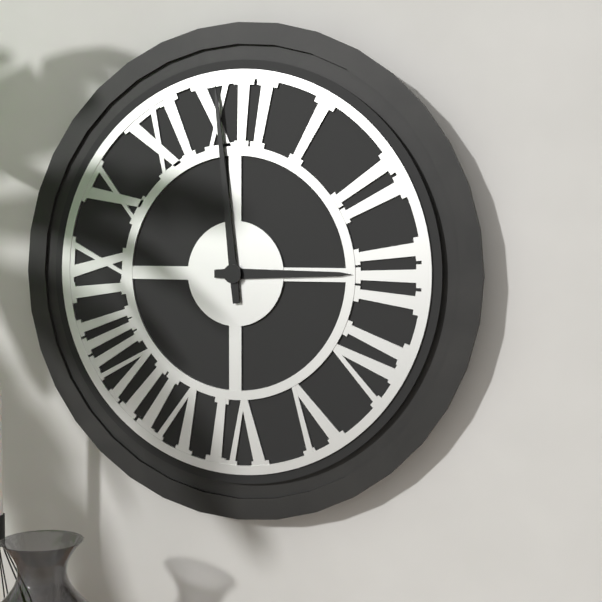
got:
2:59
